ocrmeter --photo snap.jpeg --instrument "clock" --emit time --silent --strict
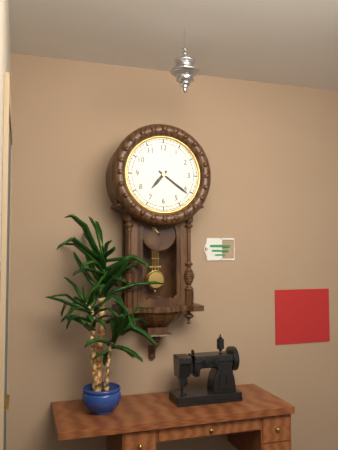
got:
7:21
